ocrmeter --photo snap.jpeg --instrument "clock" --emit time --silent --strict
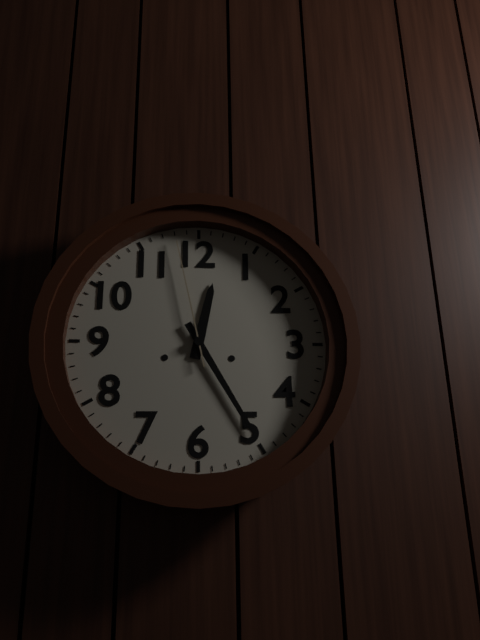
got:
12:25:58
